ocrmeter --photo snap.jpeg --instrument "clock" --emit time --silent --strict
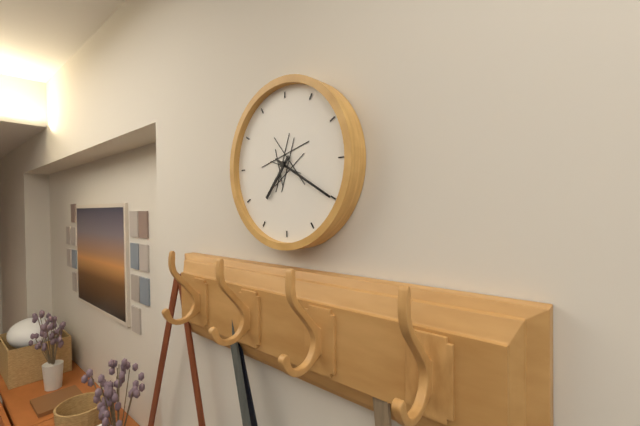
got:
7:20
